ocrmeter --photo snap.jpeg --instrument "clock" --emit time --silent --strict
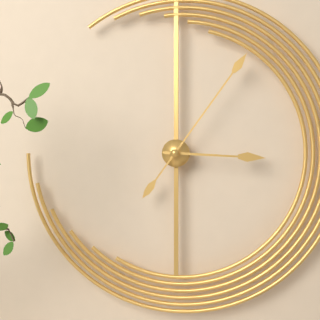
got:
3:06
